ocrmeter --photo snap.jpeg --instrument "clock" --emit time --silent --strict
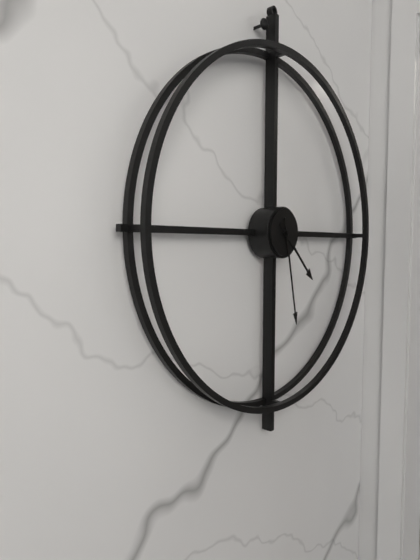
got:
4:28
